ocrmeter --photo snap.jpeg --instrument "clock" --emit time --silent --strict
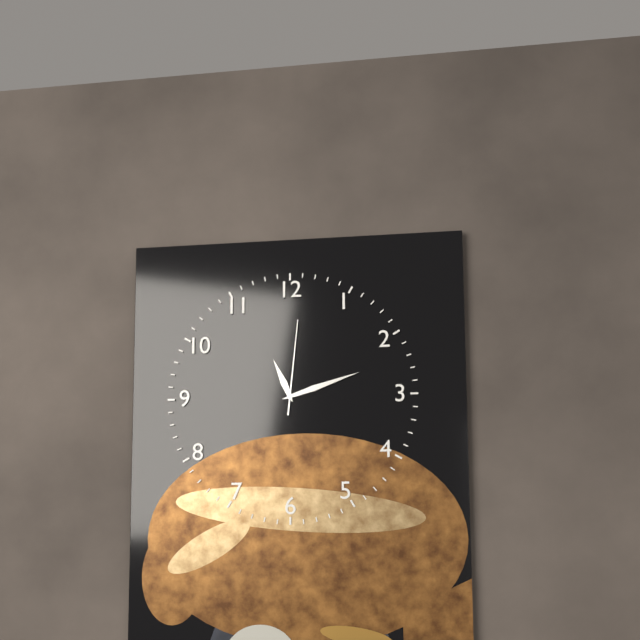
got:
11:12:01
